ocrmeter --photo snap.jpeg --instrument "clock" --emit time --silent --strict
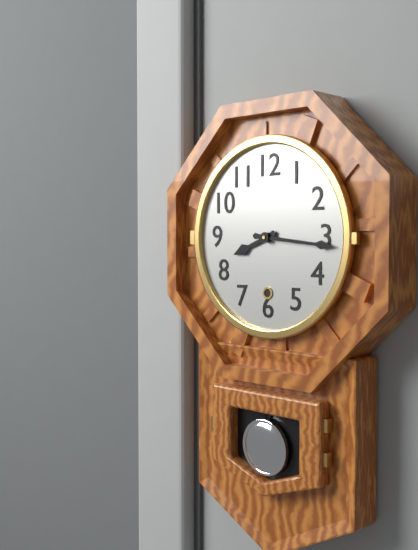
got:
8:16
